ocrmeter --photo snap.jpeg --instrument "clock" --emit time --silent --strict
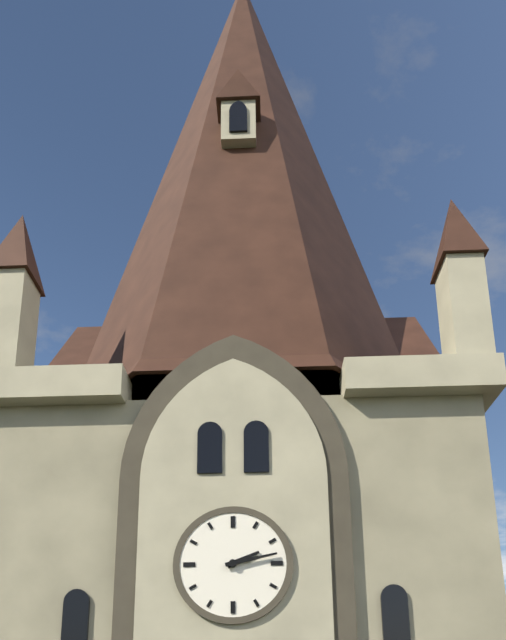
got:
2:13
